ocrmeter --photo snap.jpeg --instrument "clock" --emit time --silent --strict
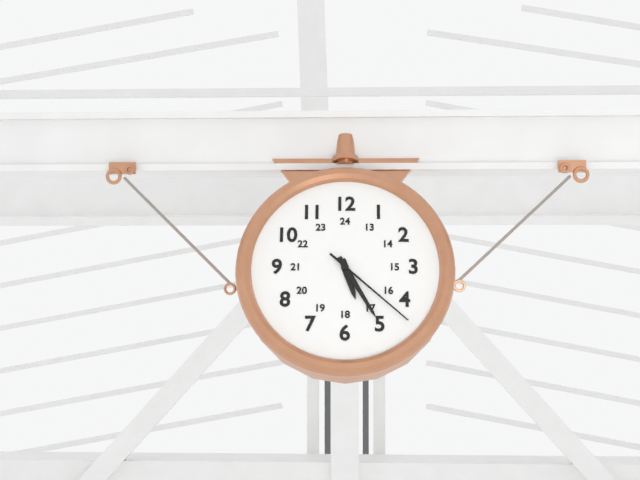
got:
5:25:22
